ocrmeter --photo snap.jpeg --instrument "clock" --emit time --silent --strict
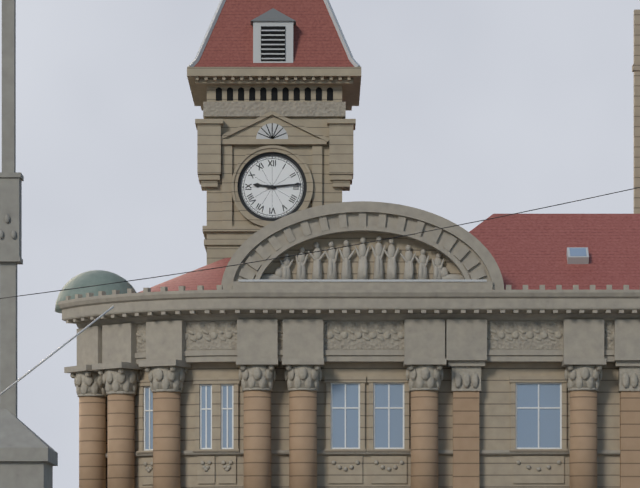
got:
9:14
